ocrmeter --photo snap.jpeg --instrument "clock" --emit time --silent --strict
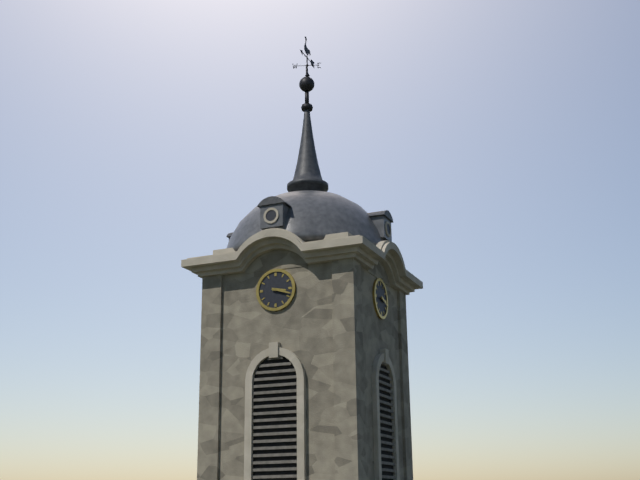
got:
3:18
